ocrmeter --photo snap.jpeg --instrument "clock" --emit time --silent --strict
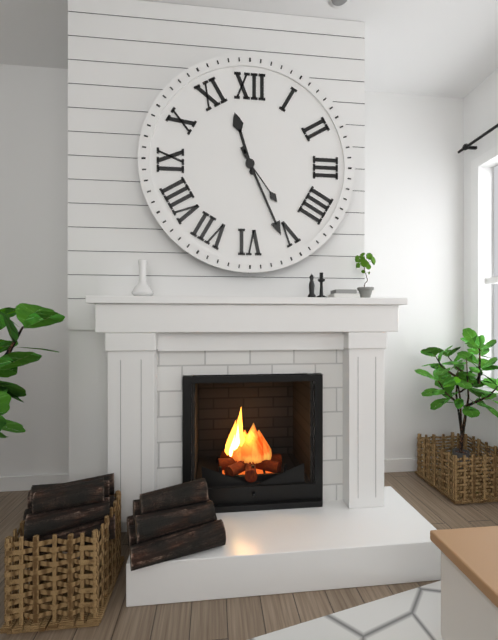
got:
11:26:24
